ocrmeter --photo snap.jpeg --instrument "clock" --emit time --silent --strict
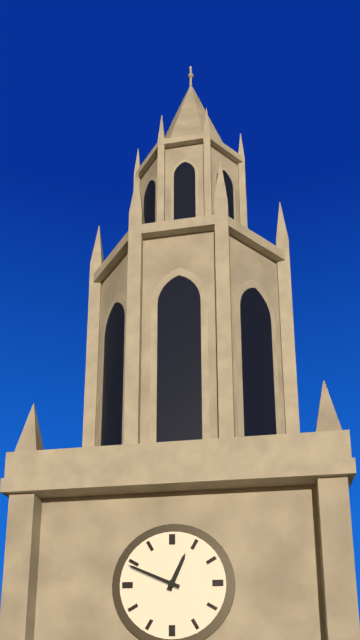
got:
12:49
